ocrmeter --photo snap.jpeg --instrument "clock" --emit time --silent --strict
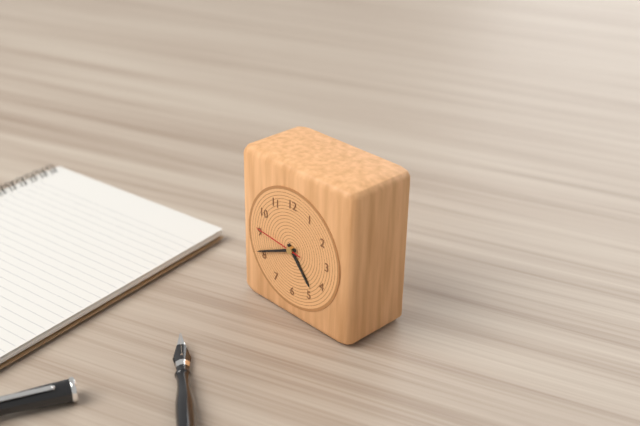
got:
4:41:46
